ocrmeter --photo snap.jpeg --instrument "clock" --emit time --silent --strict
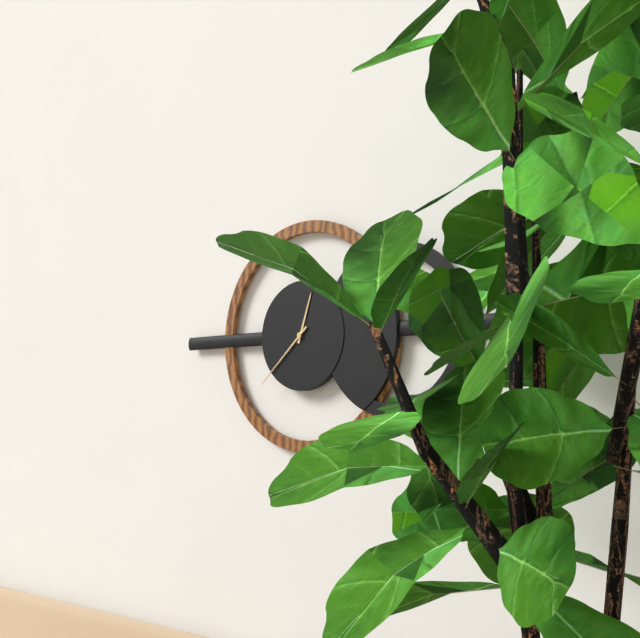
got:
12:38
